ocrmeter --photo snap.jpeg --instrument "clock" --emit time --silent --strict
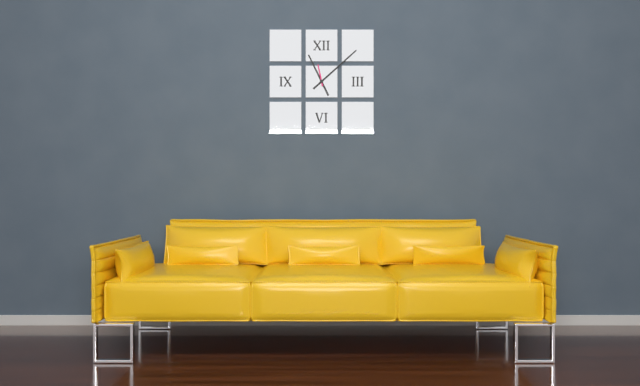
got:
11:08
